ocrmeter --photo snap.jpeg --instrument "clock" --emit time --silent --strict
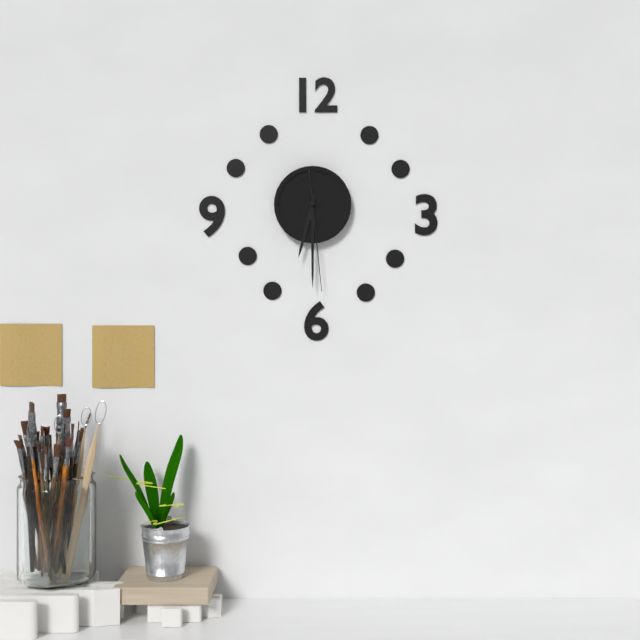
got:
6:30:29
